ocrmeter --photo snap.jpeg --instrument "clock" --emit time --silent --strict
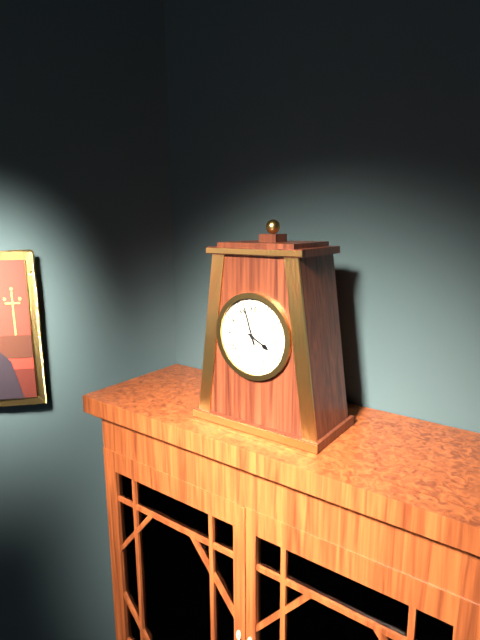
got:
3:57
